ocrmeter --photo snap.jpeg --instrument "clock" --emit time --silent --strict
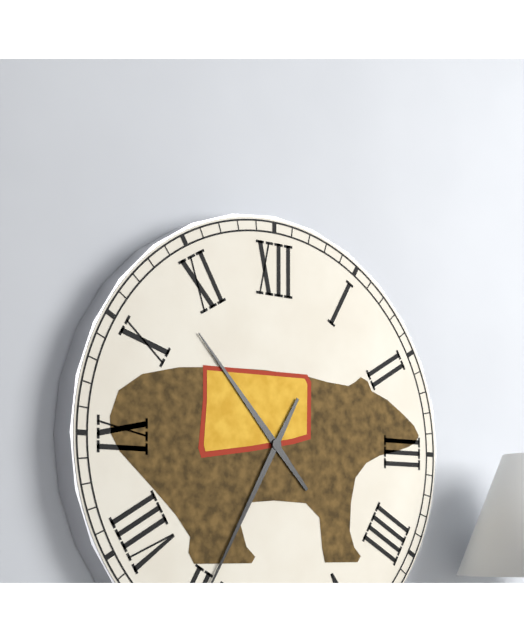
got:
10:35
